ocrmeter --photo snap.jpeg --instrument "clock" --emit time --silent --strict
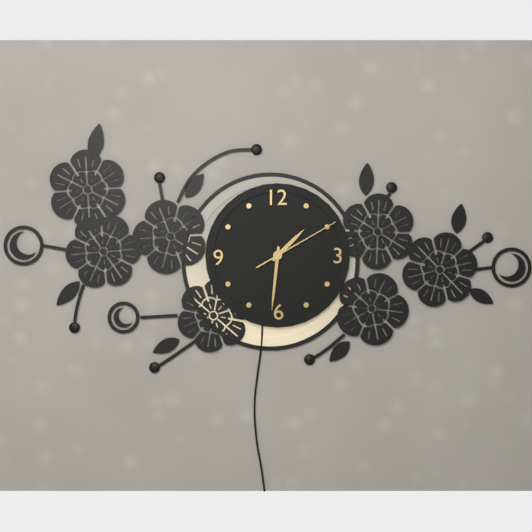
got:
1:31:10
